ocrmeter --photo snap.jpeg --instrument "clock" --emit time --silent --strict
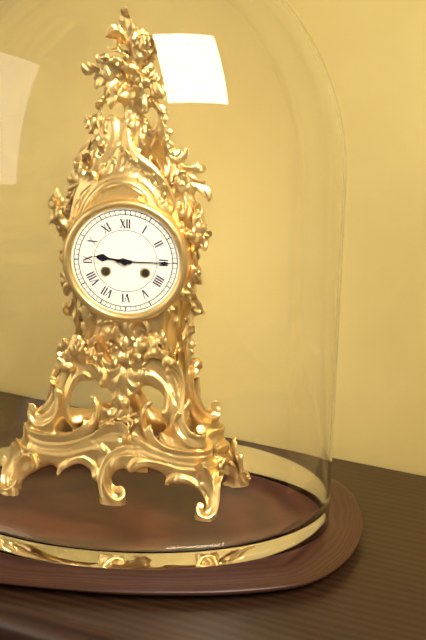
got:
9:15
